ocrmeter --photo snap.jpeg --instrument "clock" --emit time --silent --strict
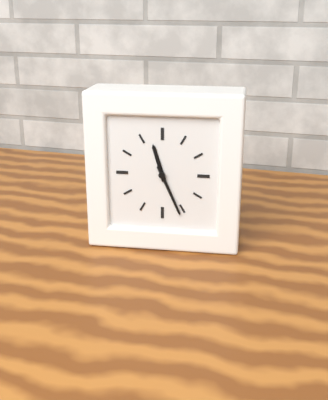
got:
11:26
